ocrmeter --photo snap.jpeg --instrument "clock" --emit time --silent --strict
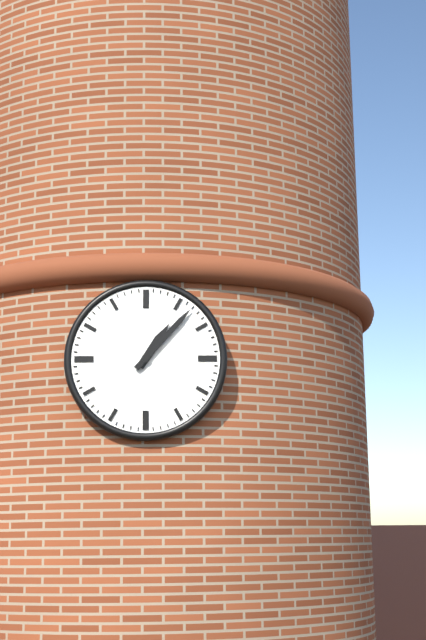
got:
1:07
